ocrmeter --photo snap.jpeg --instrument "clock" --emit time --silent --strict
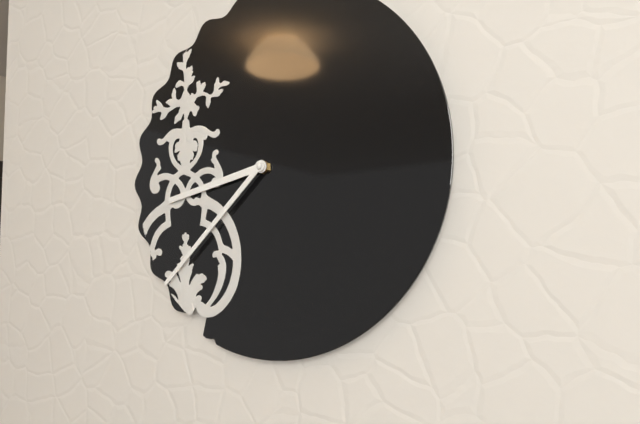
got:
8:38
